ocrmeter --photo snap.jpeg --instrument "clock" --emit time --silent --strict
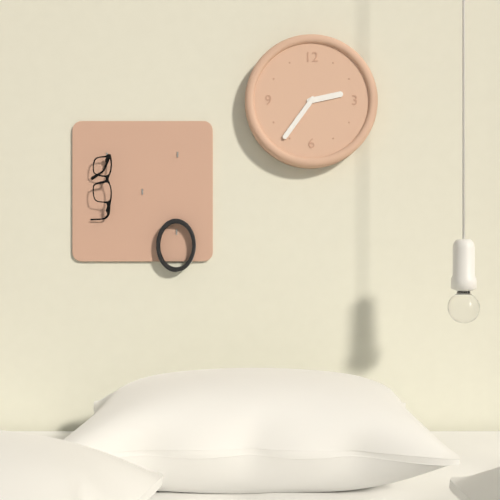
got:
2:36
